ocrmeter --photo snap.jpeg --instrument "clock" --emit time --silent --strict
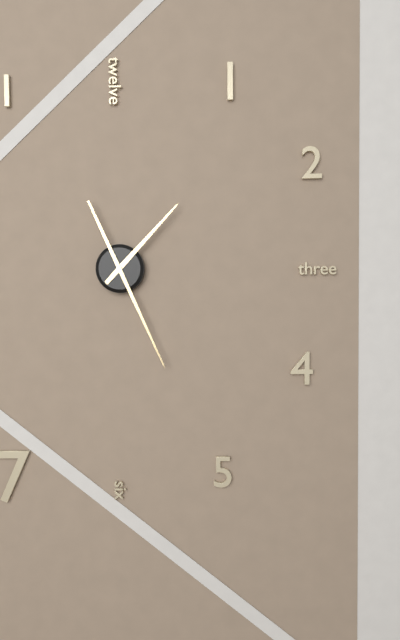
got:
1:26
